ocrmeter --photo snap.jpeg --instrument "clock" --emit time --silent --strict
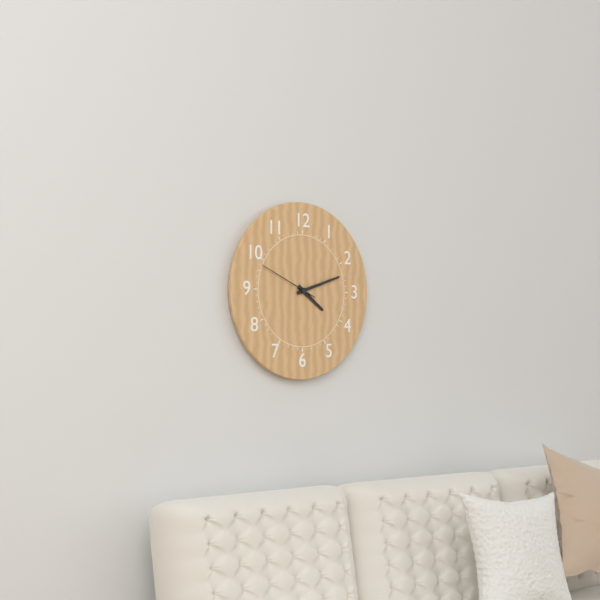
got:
4:12:49
